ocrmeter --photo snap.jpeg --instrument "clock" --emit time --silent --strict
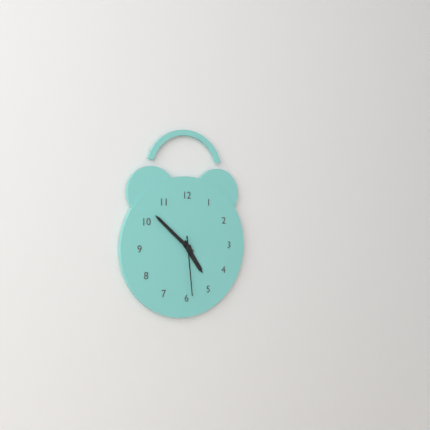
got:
4:52:29
